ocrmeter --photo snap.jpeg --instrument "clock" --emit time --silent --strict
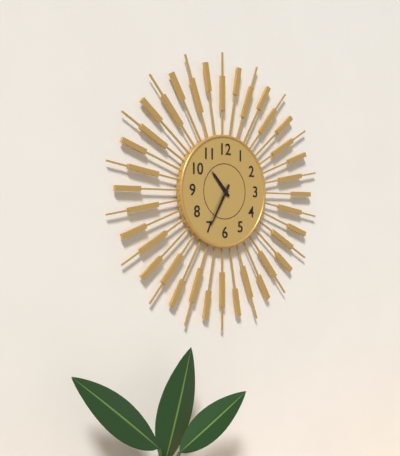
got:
10:35
